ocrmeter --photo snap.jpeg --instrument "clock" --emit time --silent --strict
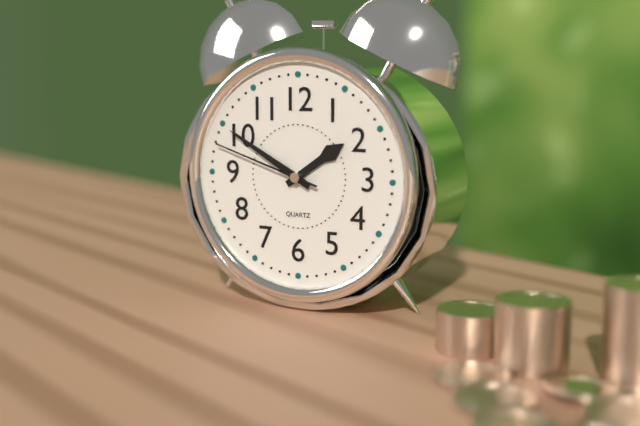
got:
1:50:48
